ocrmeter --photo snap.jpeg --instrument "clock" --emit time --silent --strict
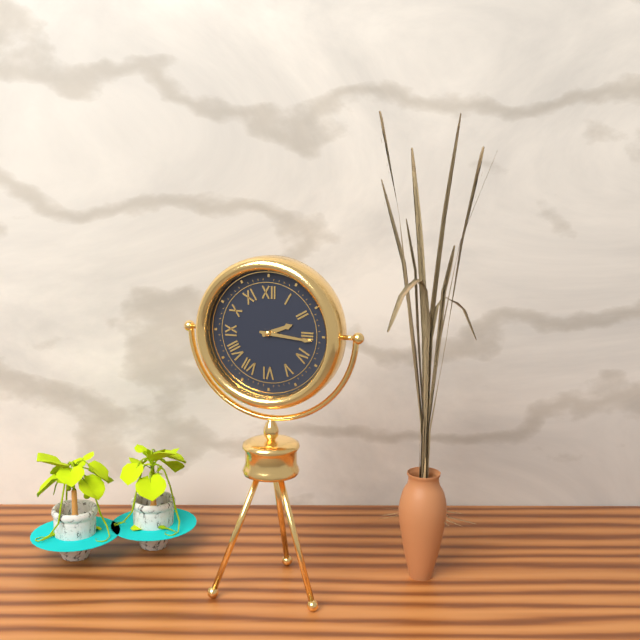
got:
2:16
